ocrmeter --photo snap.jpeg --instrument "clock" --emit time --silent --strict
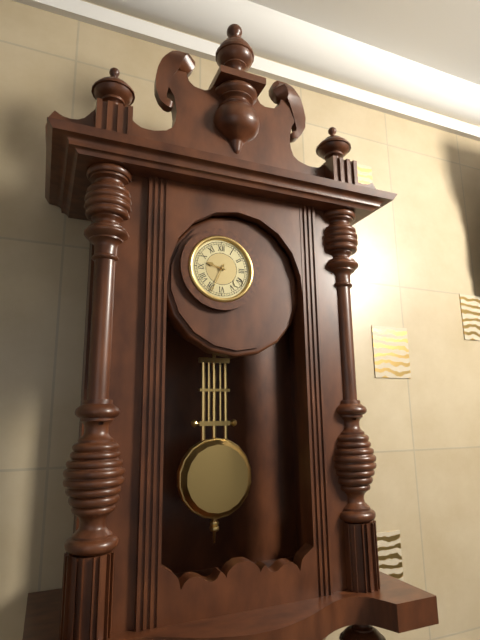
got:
9:34
